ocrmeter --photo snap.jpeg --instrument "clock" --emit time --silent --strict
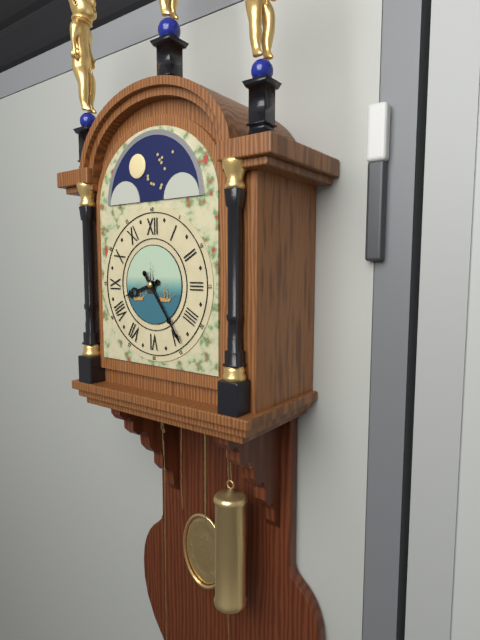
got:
8:24
